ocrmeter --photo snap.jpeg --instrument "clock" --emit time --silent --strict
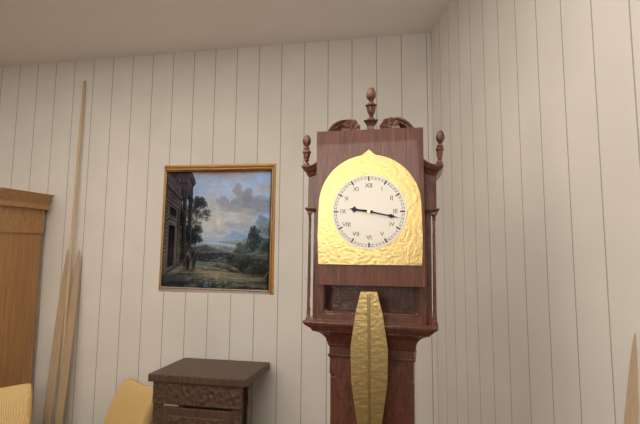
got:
9:17
